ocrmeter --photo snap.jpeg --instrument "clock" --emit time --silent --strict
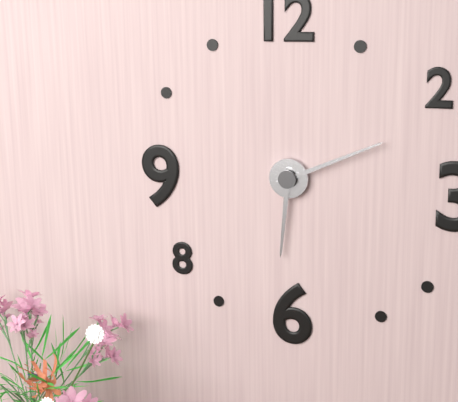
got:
6:11
